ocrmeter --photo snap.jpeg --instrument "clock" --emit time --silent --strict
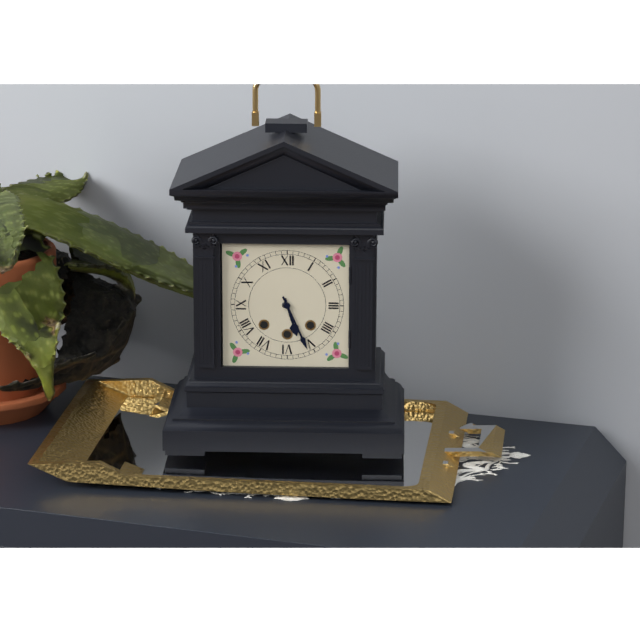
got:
5:26
